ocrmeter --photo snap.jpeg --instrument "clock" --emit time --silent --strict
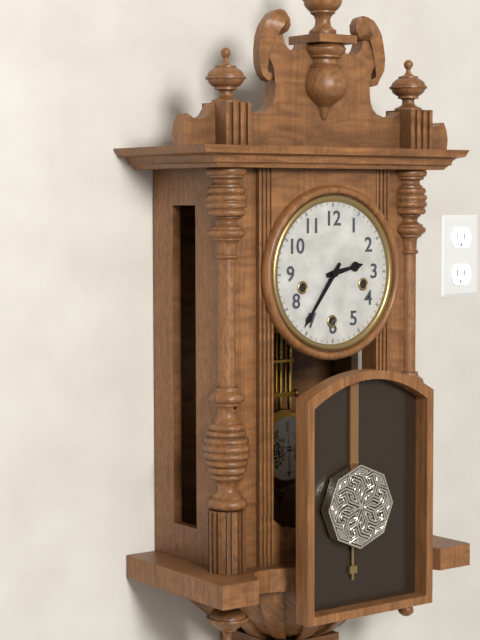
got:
2:36
